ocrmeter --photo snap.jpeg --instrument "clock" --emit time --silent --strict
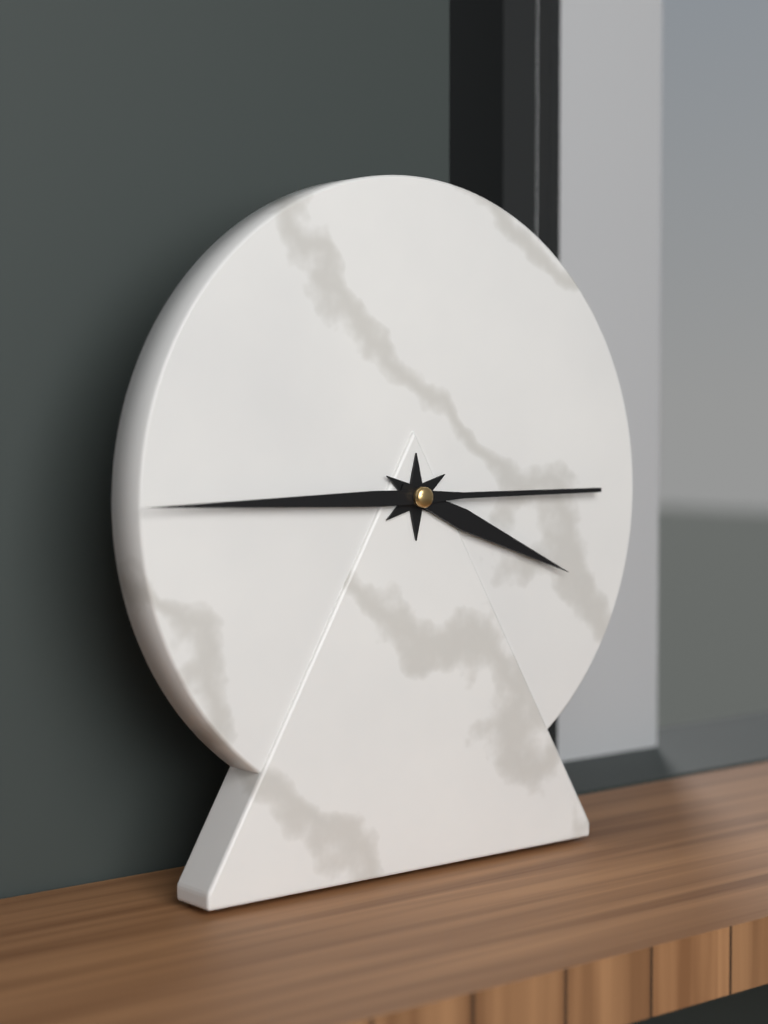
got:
3:45
